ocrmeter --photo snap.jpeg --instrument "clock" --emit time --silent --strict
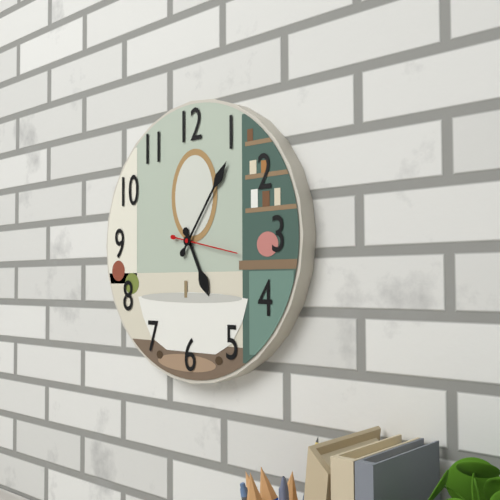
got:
5:06:17
